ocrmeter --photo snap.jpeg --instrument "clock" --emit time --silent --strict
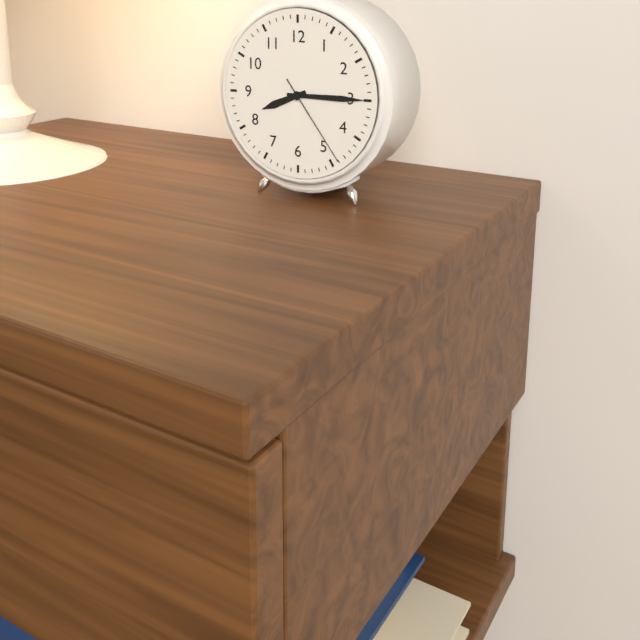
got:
8:15:24
